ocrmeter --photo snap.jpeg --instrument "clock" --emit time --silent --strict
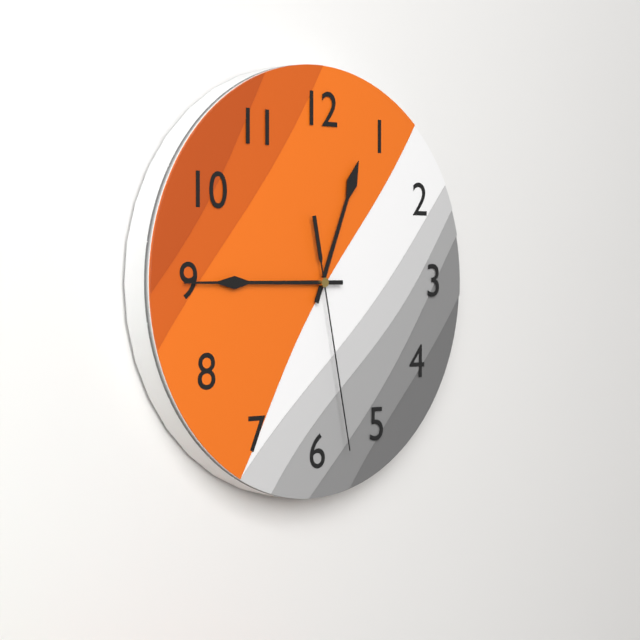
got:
12:45:28
